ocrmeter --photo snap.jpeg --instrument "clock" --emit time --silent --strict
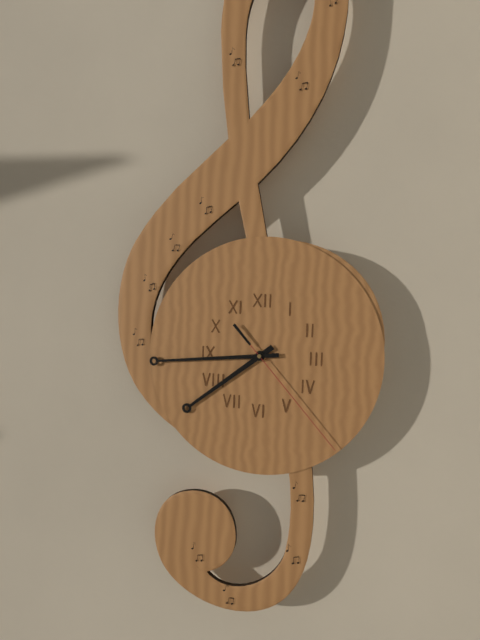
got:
7:44:23
